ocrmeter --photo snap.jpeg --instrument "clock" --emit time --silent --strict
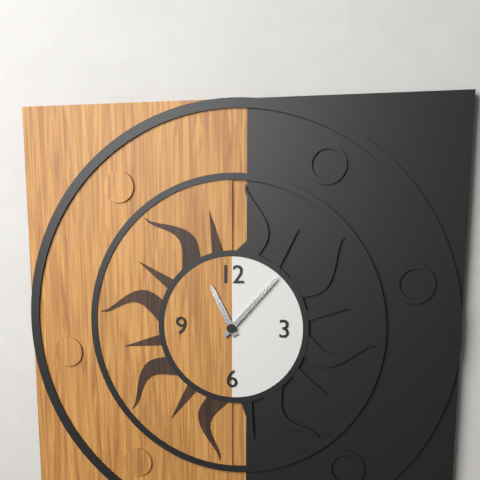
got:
11:07
